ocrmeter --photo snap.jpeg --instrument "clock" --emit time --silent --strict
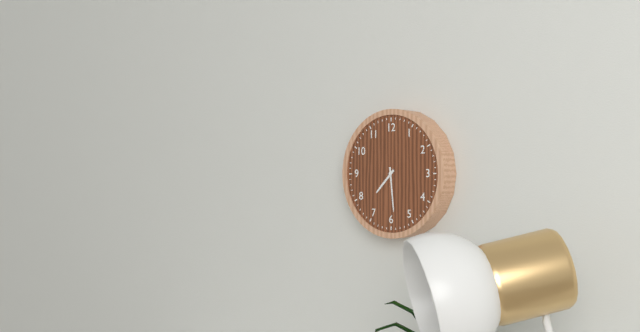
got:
7:29
